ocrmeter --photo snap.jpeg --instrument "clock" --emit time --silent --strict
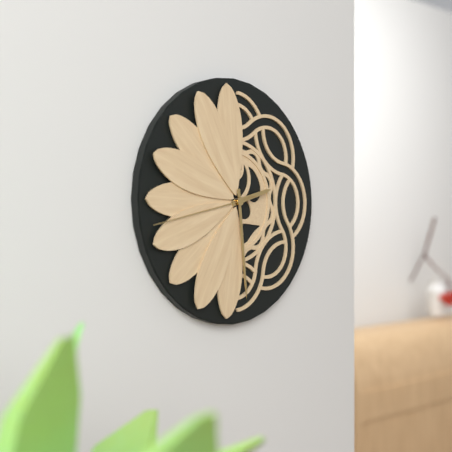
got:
2:29:43
